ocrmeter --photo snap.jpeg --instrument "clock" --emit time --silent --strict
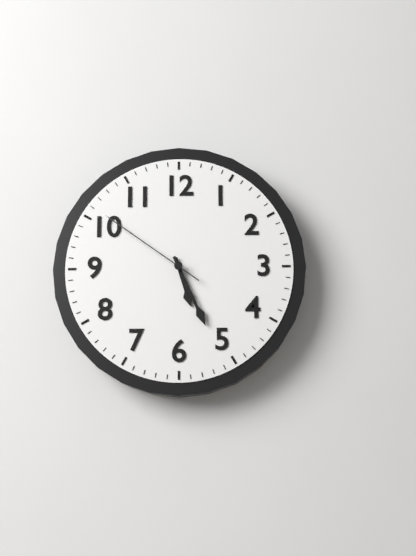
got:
5:26:51
